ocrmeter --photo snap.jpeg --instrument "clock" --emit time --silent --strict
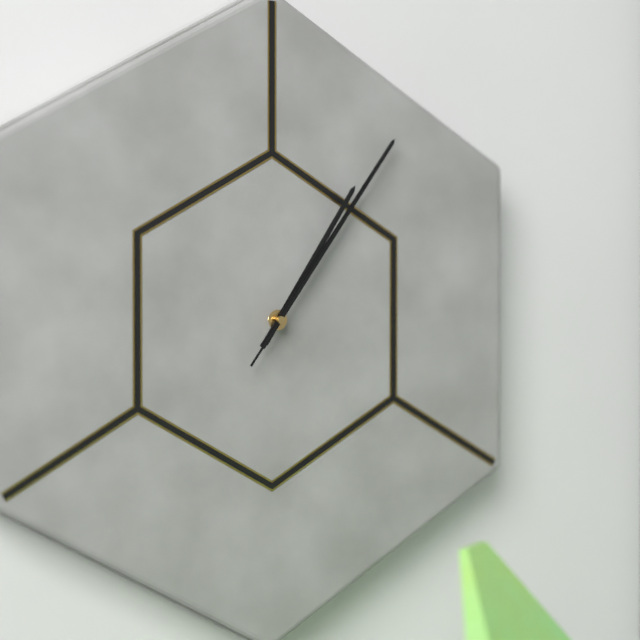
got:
1:06:06
